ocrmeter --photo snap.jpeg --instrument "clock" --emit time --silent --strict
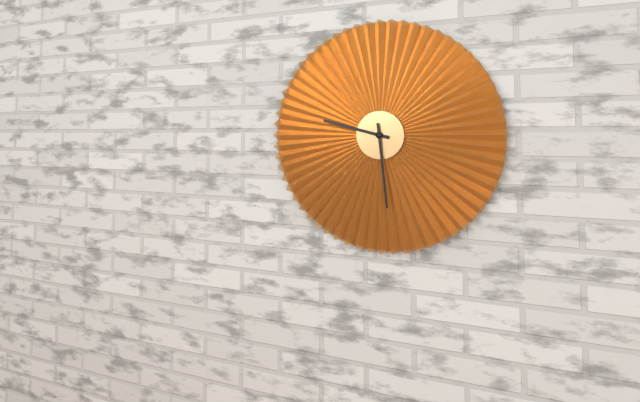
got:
9:29
